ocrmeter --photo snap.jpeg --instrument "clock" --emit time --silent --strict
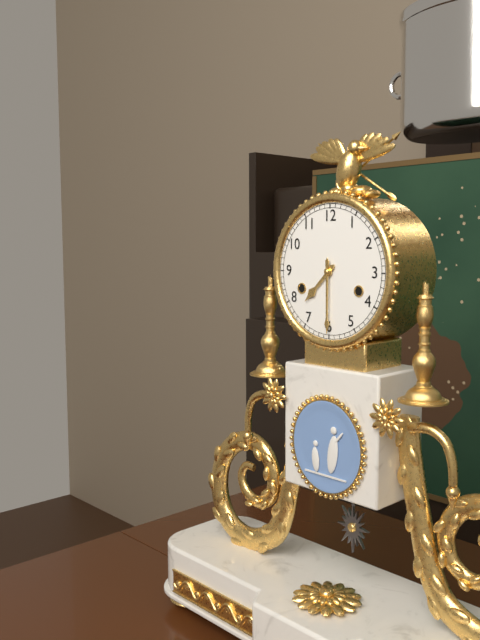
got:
7:30
